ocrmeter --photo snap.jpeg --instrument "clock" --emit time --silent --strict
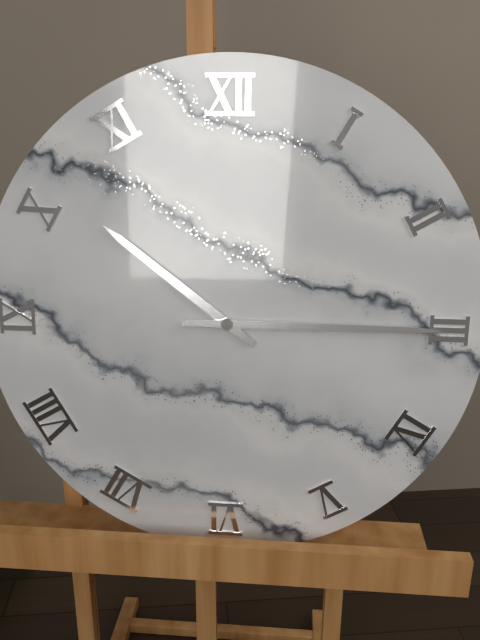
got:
10:15
